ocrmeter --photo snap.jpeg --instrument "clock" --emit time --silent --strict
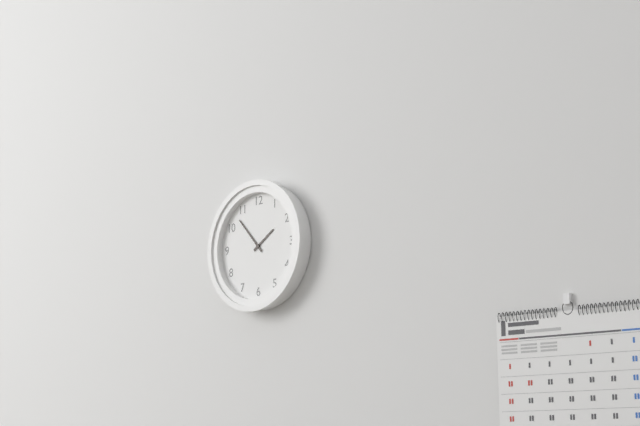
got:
1:53
